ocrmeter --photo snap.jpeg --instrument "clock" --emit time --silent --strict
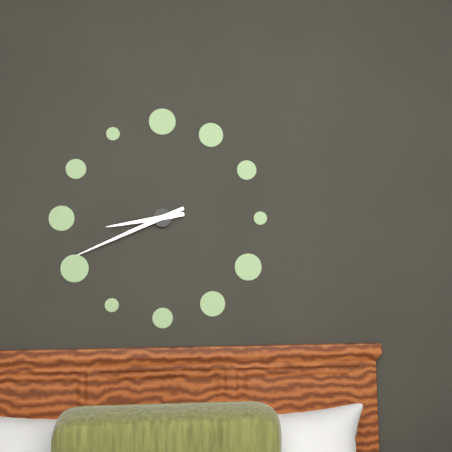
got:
8:41
